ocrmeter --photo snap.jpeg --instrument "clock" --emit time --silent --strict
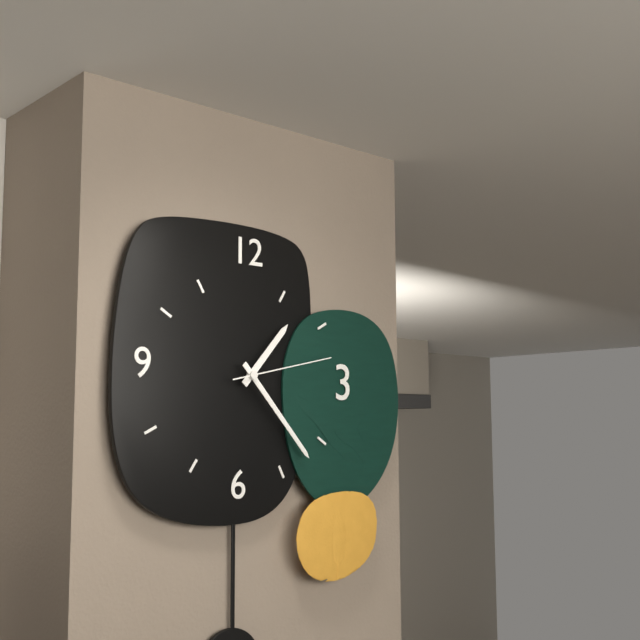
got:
1:23:13
